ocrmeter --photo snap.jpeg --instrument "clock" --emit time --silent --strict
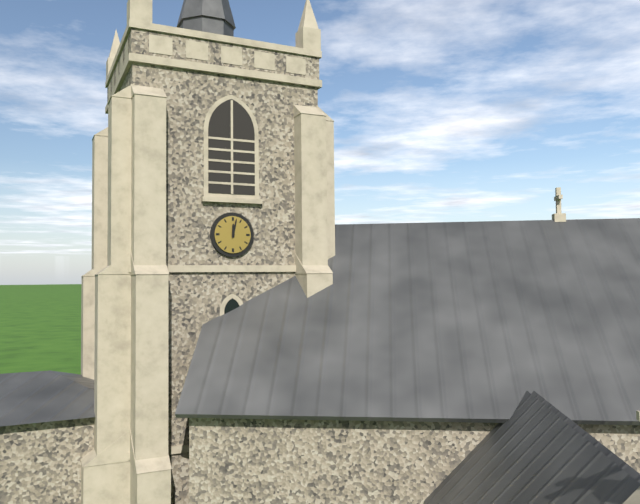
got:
12:02
